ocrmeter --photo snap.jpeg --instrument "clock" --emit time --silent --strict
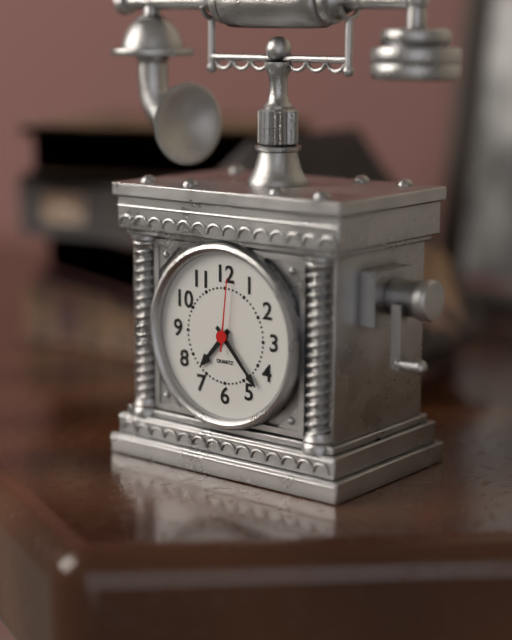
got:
7:23:01
